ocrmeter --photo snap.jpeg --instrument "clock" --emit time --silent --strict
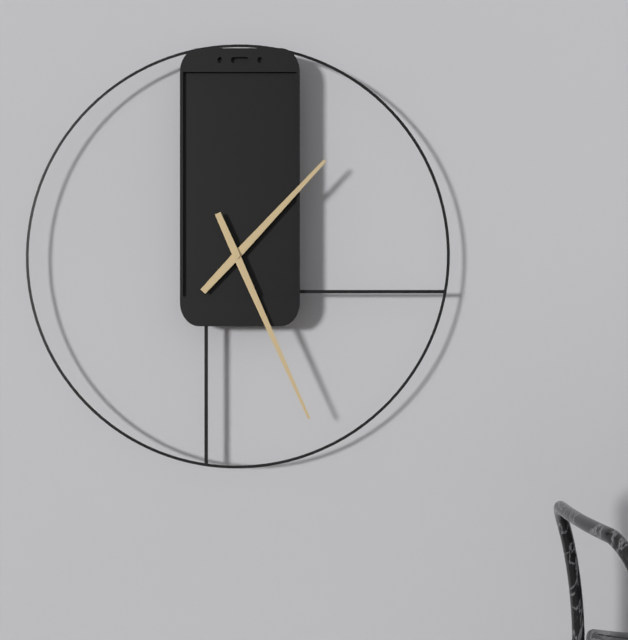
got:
1:26
